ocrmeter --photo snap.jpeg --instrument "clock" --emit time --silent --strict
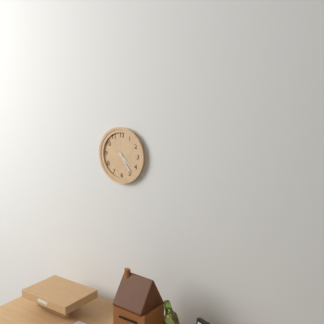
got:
4:24
